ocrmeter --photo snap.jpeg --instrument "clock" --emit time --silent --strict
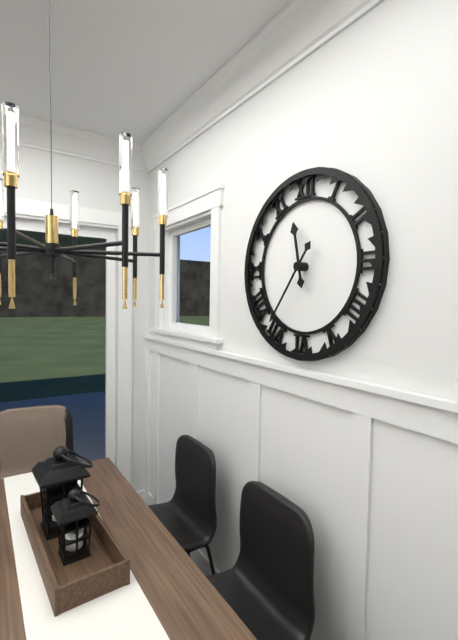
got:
11:36
